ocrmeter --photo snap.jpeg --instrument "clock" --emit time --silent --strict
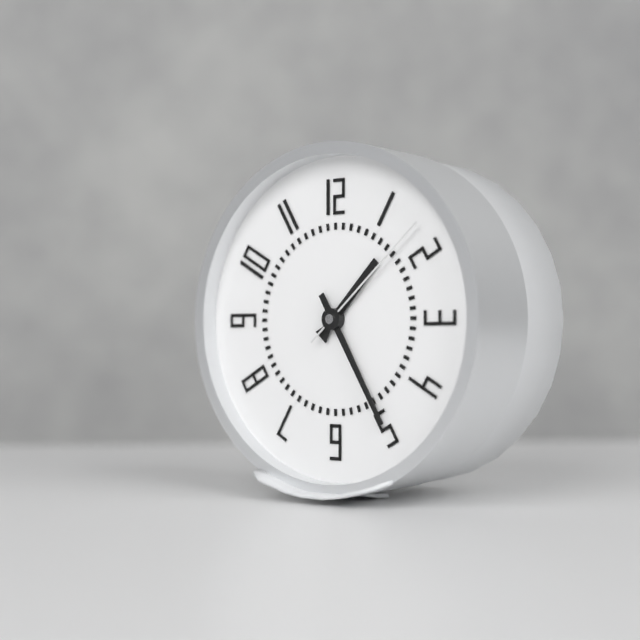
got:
1:25:08
